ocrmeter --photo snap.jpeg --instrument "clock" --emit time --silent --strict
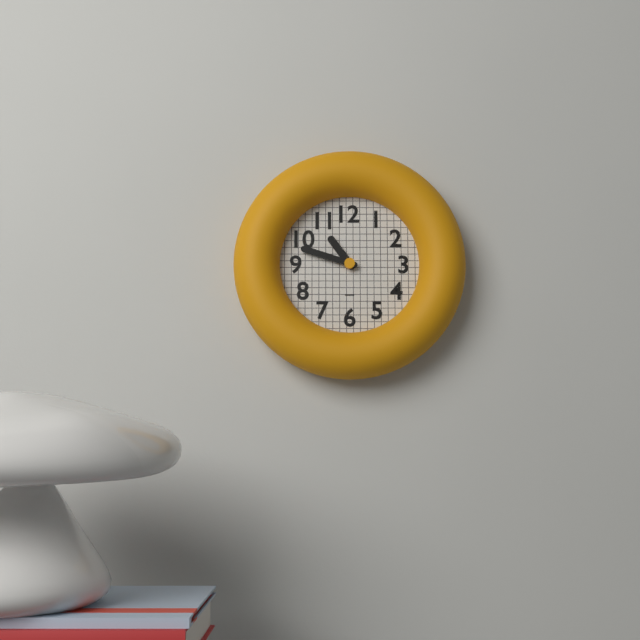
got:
10:48
